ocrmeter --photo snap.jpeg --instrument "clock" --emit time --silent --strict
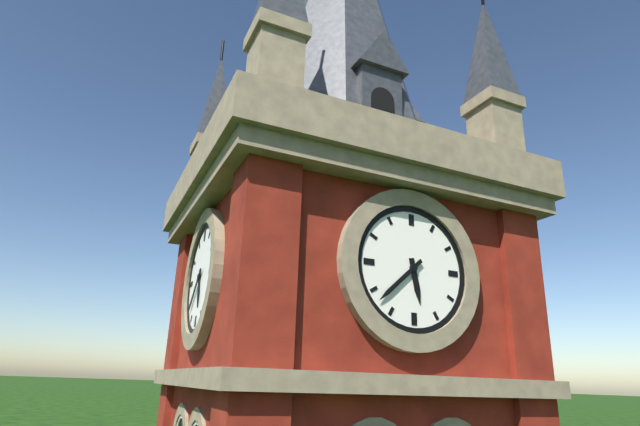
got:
5:38
